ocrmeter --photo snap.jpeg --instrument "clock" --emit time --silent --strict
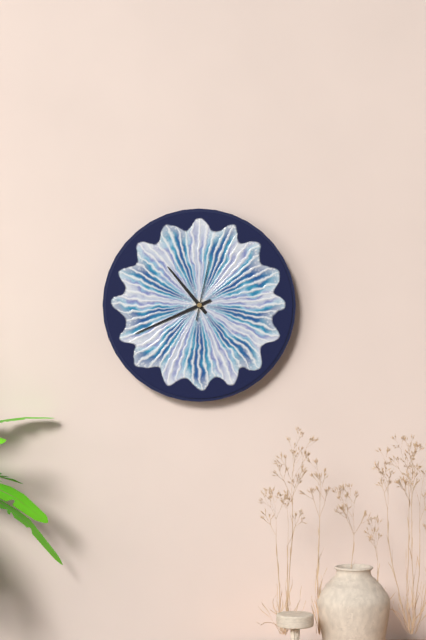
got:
10:41:02
